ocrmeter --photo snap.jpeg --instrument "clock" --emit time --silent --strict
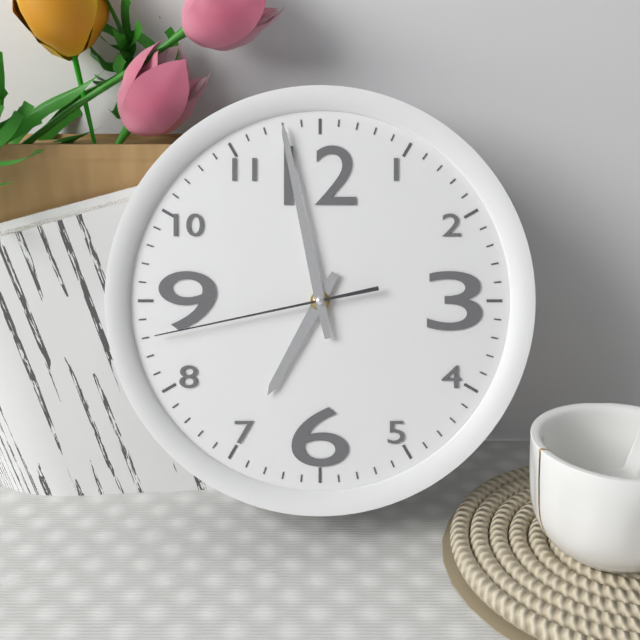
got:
6:58:43
